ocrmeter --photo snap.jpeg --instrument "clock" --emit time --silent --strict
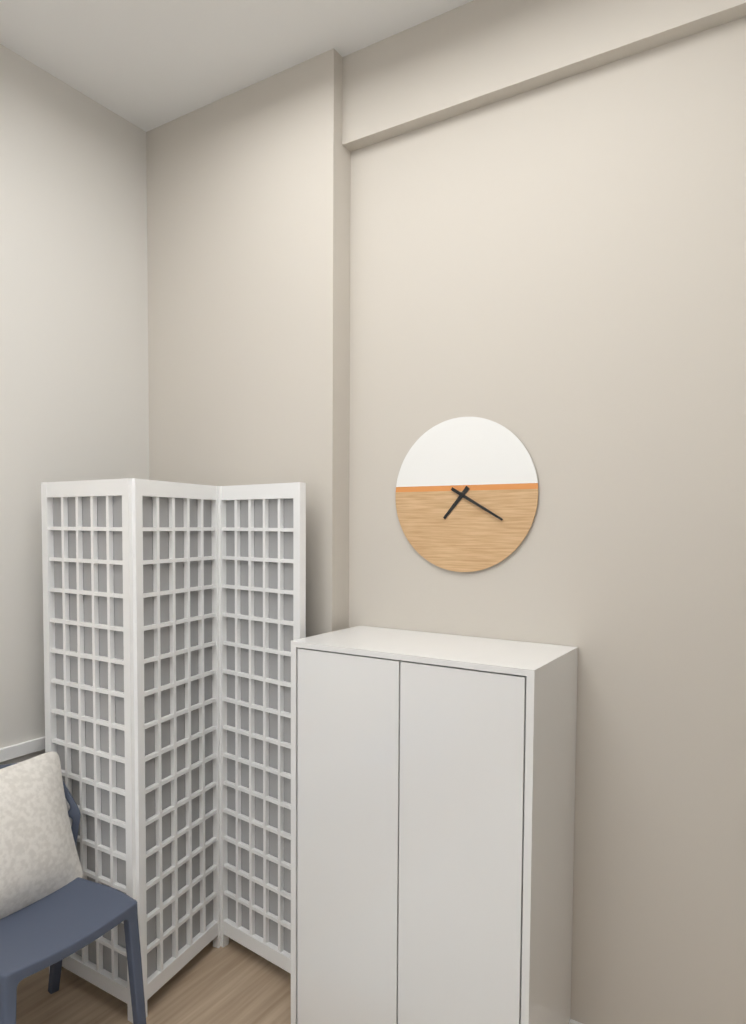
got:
7:20
